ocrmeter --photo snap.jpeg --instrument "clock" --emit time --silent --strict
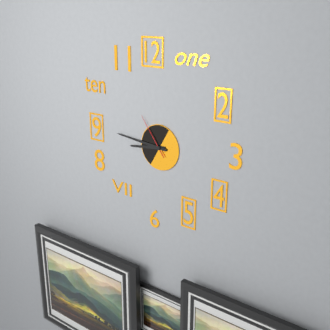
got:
8:46
